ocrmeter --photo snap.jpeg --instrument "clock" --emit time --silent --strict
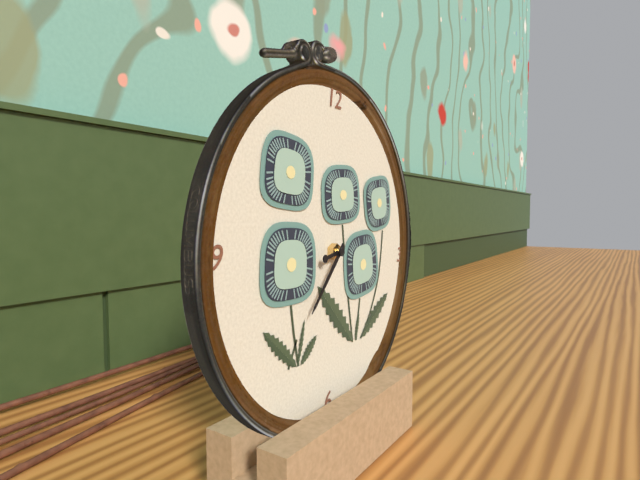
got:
8:37
